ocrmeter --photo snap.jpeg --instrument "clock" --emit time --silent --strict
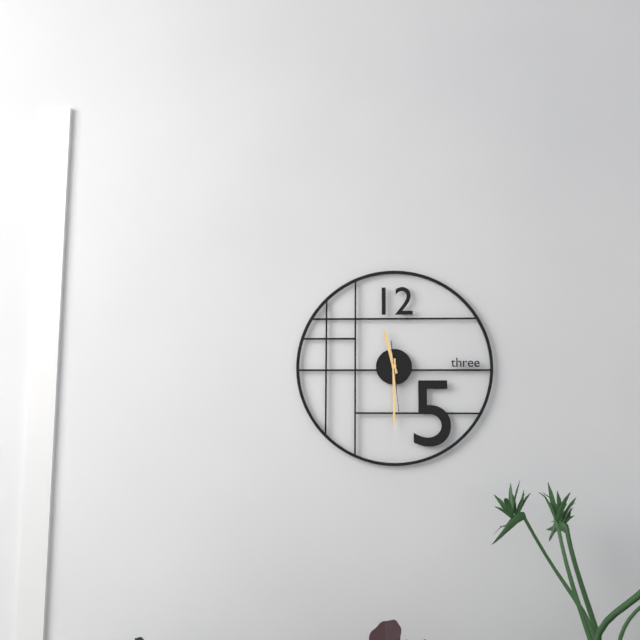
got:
11:30:29
